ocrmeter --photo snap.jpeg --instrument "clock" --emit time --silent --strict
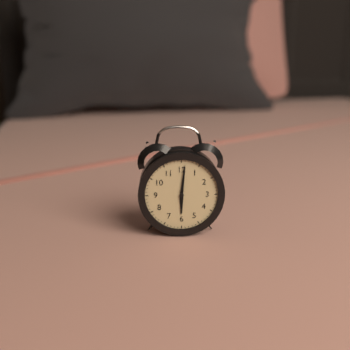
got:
6:01
